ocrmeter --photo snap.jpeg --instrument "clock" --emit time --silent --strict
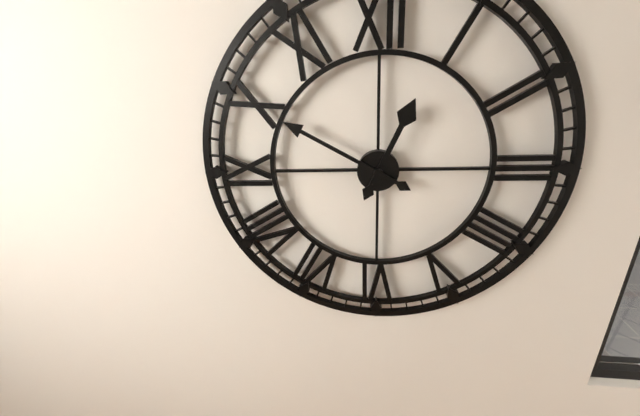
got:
12:50
